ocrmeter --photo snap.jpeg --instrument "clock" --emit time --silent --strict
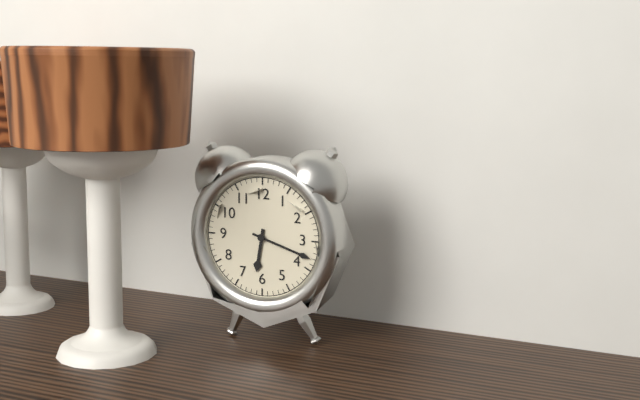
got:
6:18
